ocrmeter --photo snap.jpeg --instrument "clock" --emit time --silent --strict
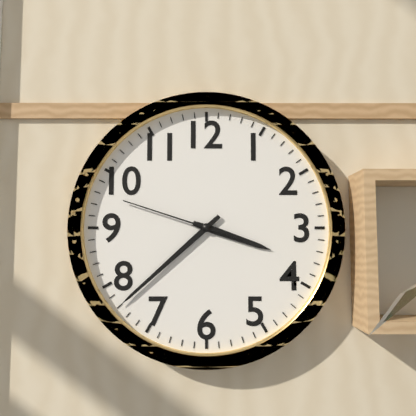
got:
3:38:48
